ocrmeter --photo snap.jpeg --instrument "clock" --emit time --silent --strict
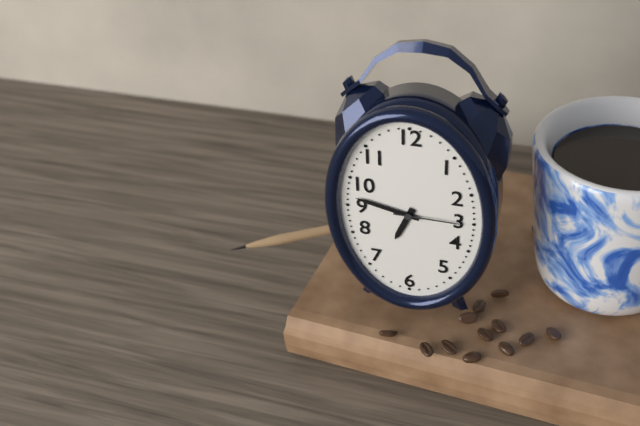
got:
6:47:15
